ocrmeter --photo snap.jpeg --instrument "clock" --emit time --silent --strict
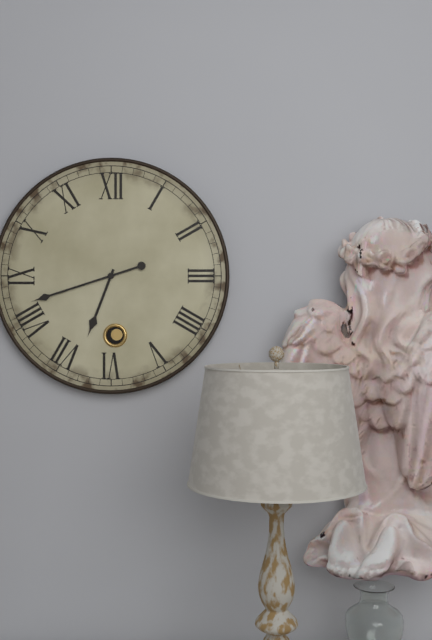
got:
6:42
